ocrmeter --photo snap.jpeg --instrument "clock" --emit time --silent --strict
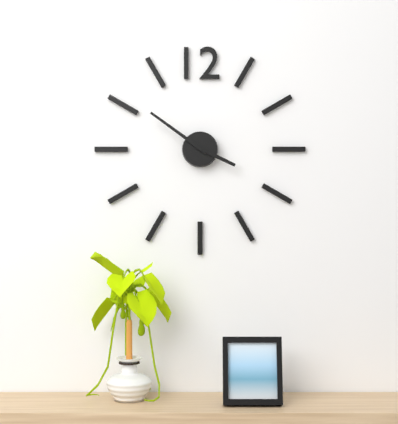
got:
3:51
